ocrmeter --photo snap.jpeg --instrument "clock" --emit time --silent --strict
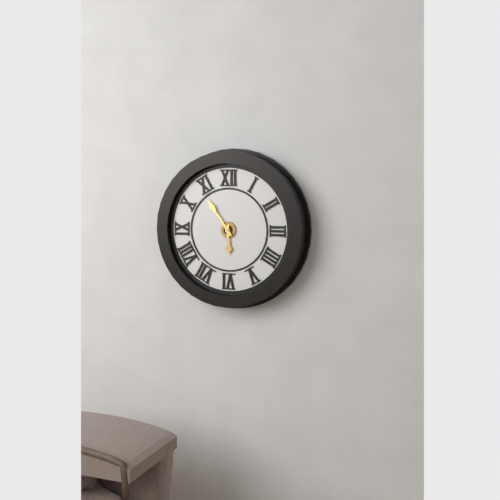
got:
5:54
